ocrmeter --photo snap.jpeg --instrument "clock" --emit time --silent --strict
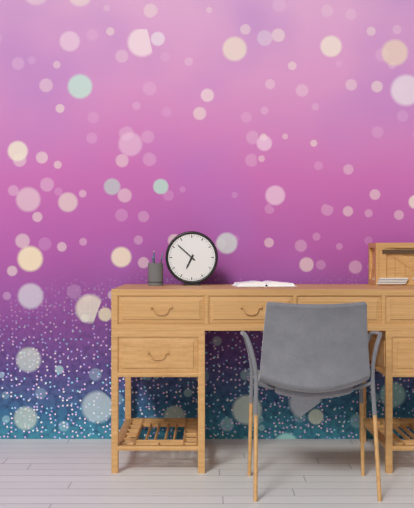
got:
6:52
